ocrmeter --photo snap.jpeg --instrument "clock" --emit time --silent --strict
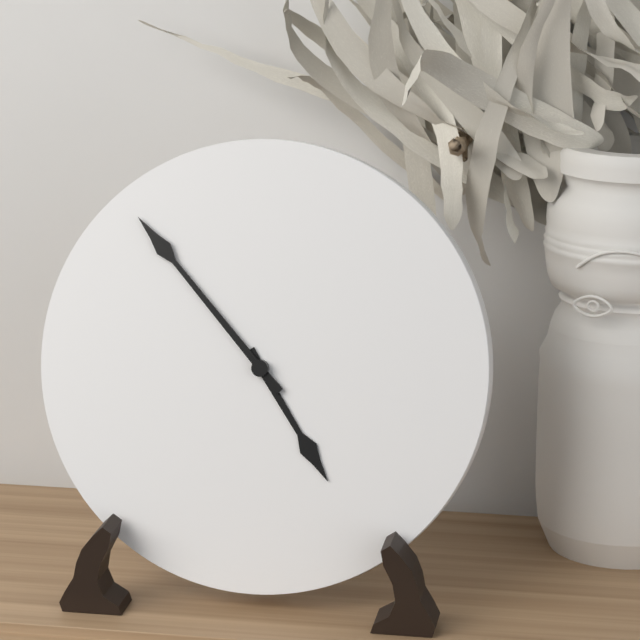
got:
4:53
